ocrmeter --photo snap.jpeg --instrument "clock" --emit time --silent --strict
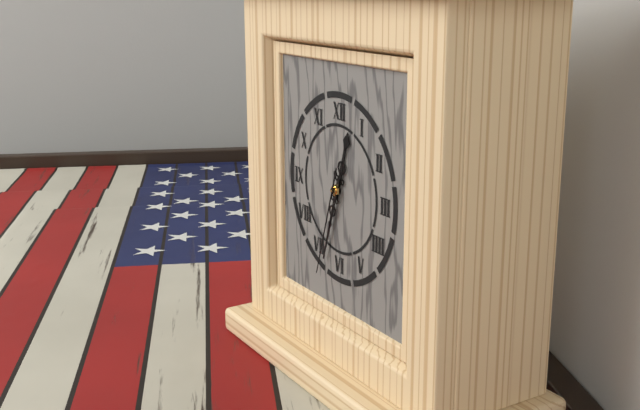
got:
12:33:33
